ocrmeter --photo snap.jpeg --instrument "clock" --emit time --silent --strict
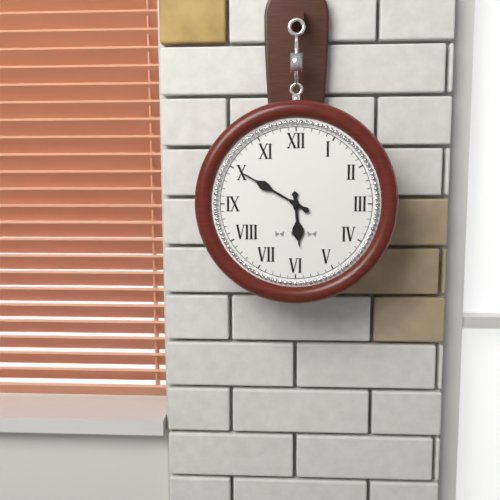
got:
5:50
